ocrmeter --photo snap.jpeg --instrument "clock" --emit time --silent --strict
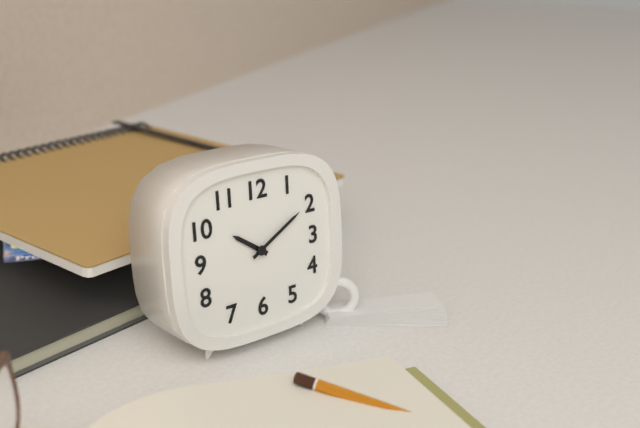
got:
10:10
